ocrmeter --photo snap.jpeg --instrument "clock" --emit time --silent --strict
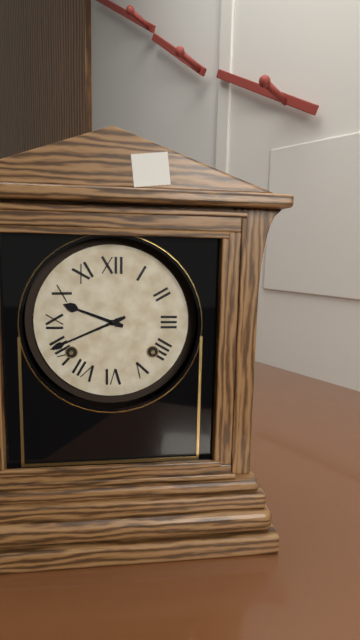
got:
9:41
